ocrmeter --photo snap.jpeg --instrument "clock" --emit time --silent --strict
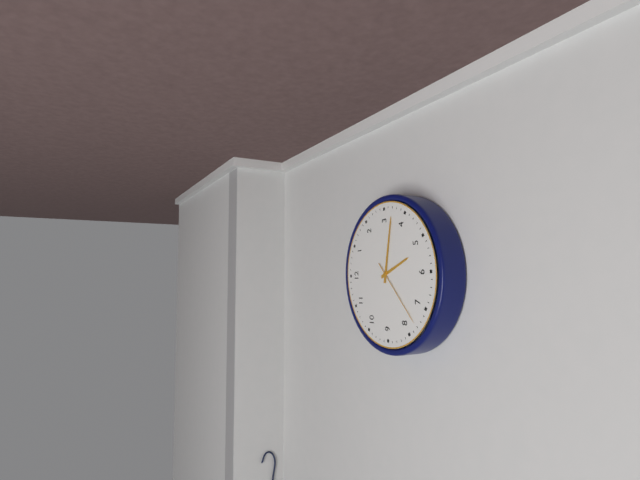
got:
5:17:38
